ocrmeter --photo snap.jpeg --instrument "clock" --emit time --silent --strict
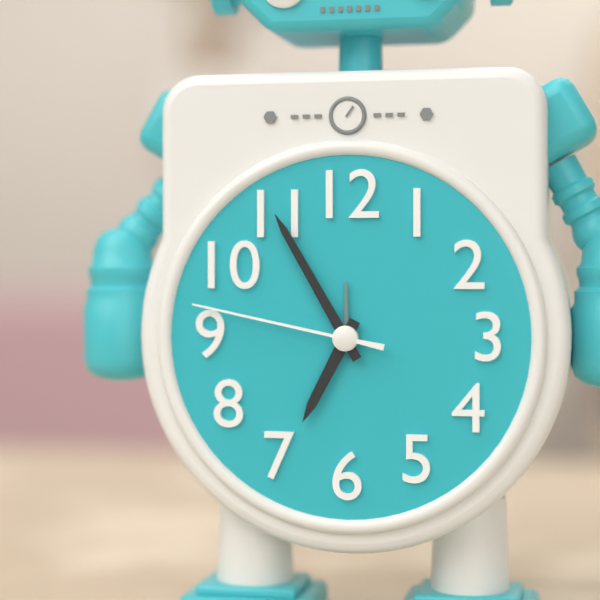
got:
6:55:47
